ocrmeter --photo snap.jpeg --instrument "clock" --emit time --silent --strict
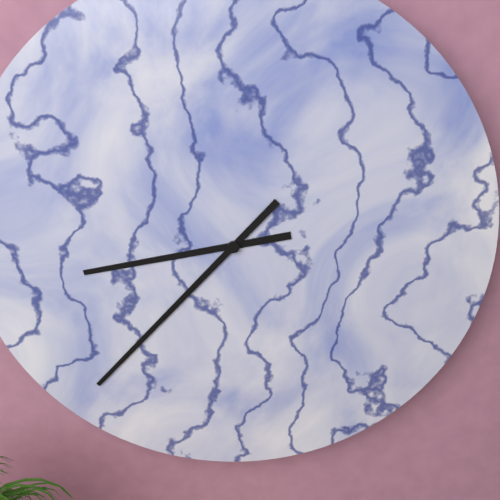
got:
8:37
